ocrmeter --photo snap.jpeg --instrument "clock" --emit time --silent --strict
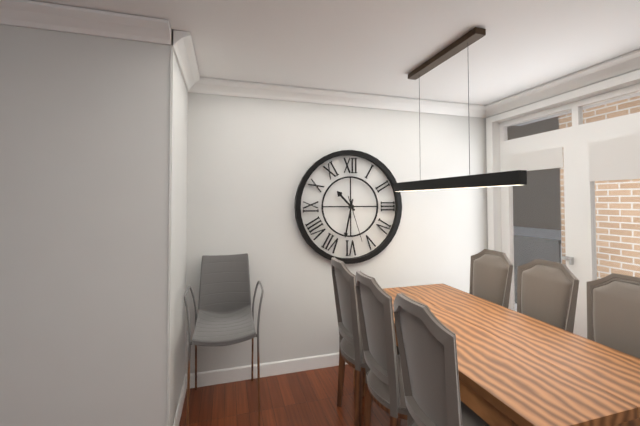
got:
10:32
